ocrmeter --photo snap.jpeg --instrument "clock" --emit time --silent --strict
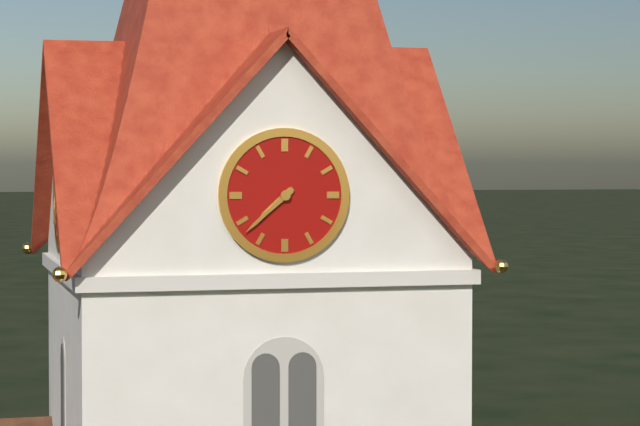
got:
7:38
